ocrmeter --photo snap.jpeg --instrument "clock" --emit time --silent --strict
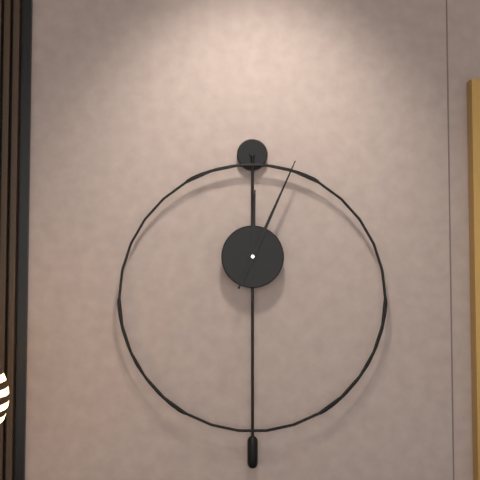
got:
12:04
